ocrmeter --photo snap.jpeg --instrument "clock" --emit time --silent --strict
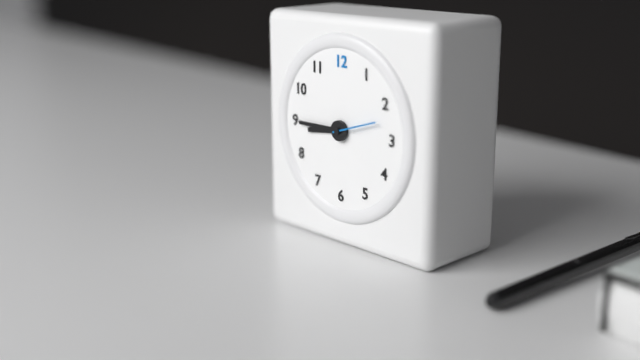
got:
8:45
